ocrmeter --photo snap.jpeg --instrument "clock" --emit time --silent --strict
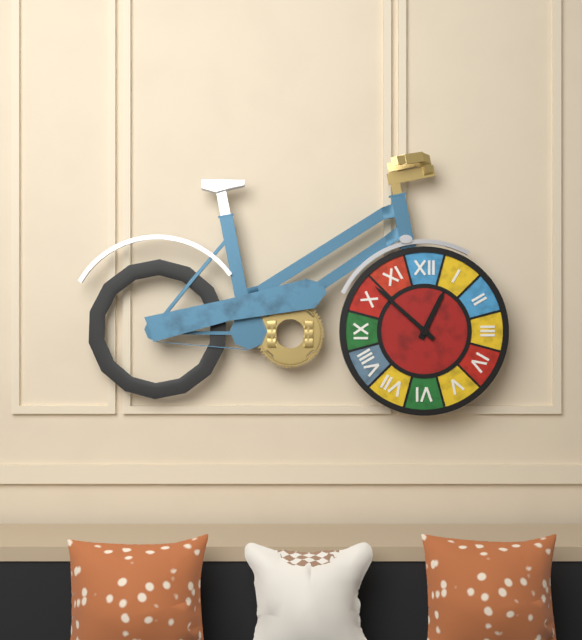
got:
12:52
